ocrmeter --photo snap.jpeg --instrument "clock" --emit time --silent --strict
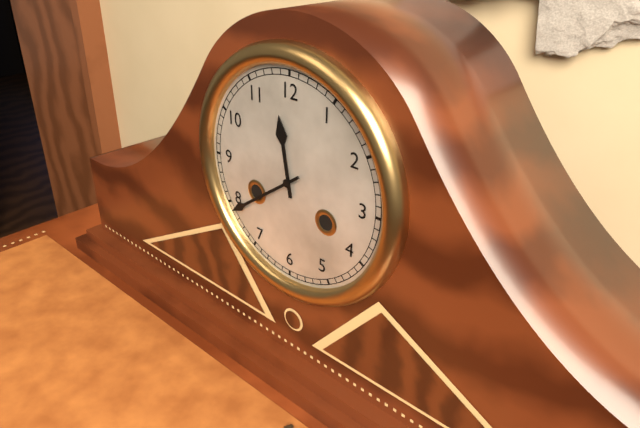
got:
11:39
